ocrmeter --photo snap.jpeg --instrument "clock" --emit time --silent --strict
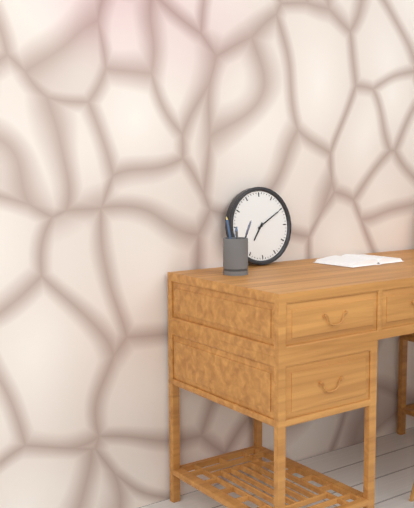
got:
7:10
